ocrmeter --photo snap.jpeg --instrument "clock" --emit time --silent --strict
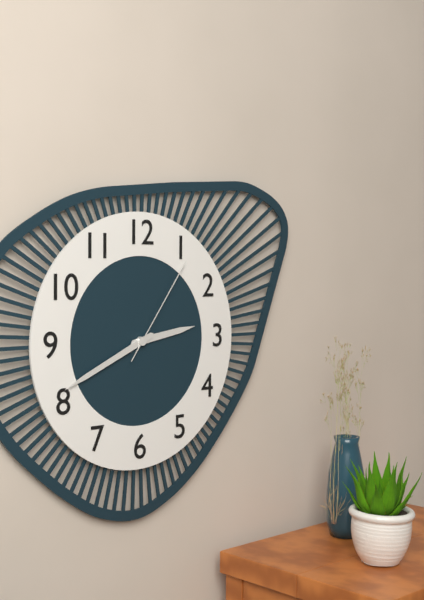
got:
2:41:06
